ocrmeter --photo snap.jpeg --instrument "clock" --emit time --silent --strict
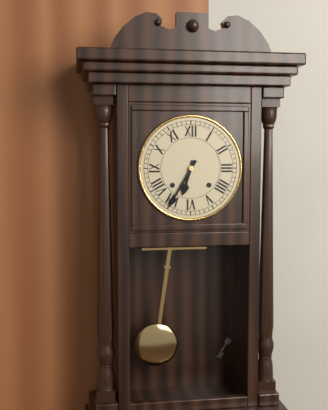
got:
6:35
